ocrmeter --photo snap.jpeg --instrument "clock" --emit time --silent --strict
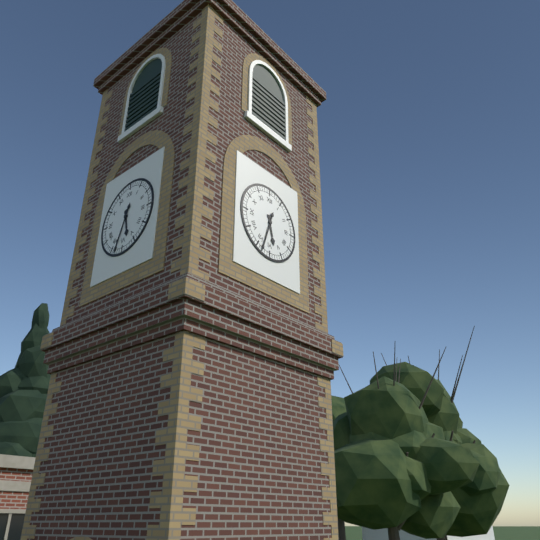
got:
5:33
